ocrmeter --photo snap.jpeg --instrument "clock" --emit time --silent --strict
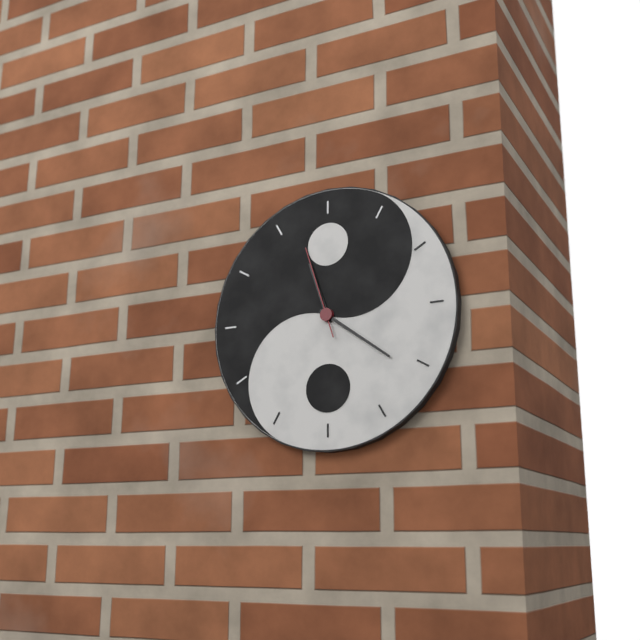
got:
11:21:57
